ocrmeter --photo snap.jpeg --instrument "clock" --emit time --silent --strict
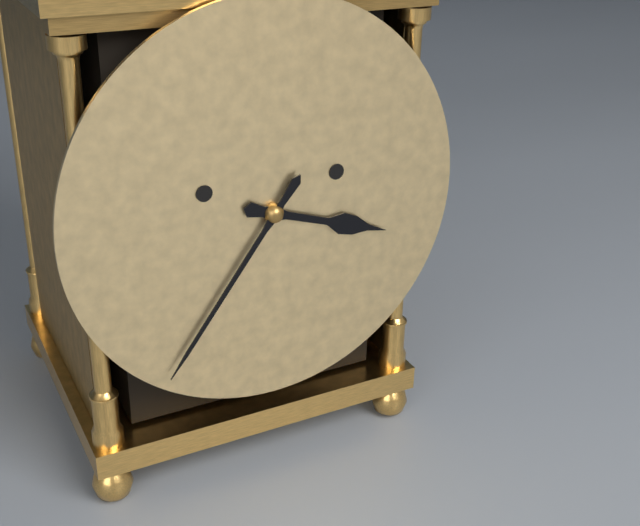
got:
3:36
